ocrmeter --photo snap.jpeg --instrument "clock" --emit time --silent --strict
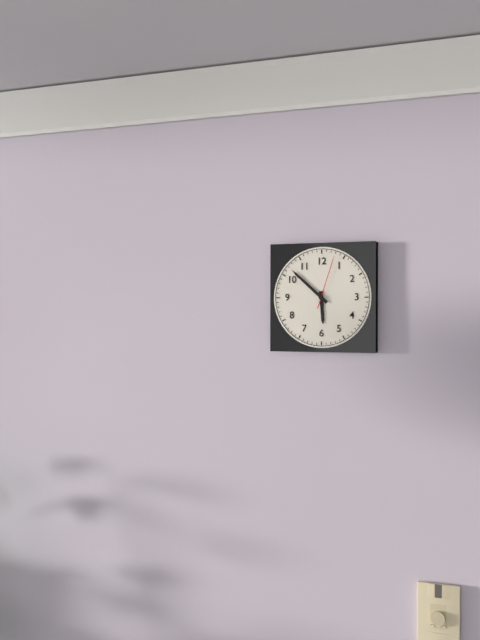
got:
5:52:03
